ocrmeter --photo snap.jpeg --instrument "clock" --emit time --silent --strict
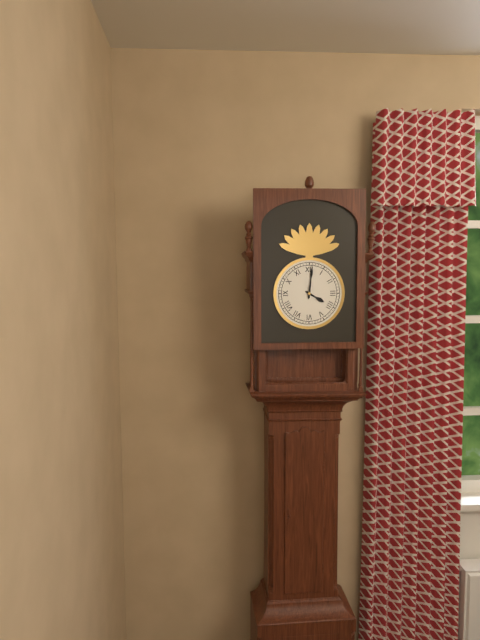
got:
4:01
